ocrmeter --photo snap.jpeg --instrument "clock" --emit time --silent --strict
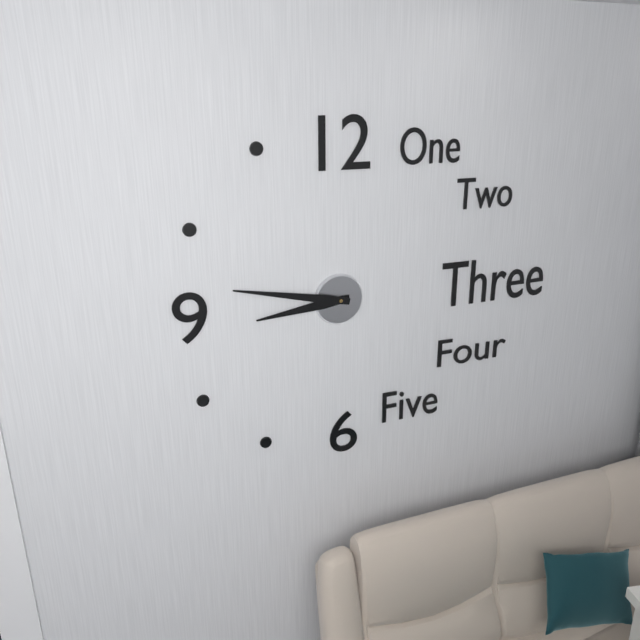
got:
8:47
